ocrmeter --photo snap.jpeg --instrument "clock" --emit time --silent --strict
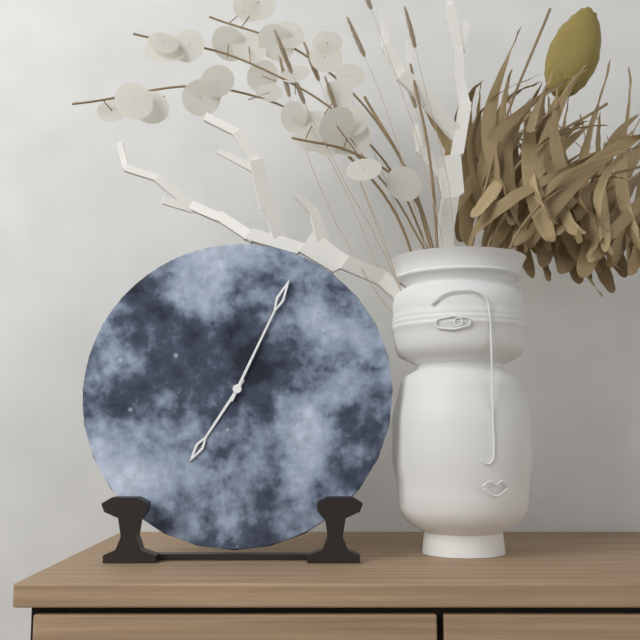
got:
7:04
